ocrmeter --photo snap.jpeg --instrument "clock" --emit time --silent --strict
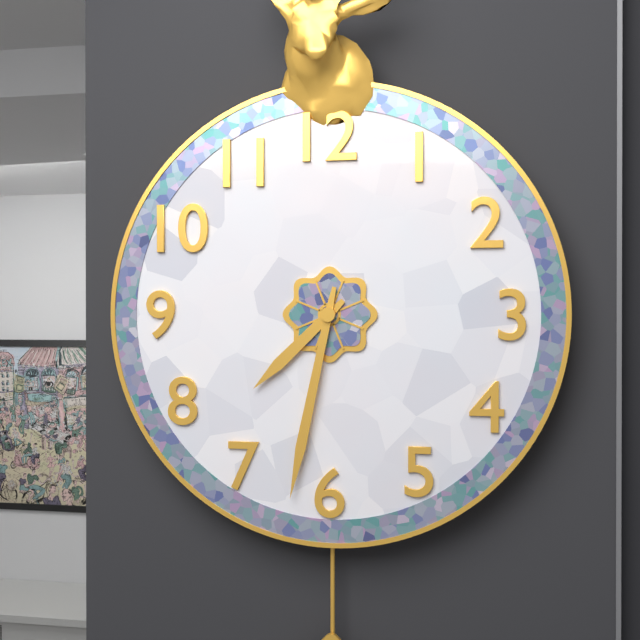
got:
7:32
